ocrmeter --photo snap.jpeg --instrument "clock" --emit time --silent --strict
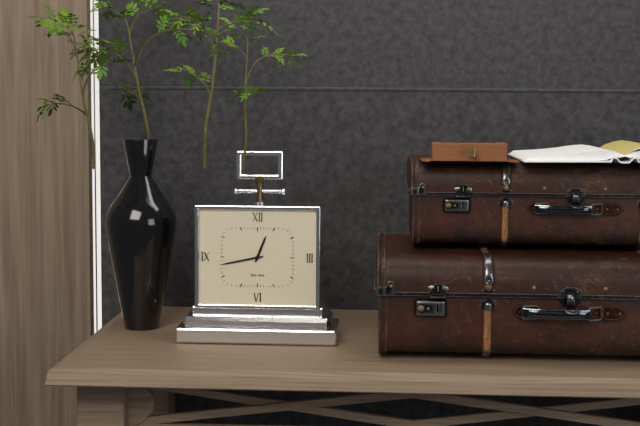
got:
12:43
